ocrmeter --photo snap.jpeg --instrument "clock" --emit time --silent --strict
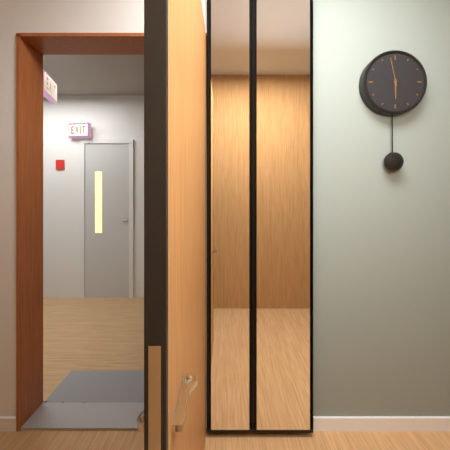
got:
5:58
